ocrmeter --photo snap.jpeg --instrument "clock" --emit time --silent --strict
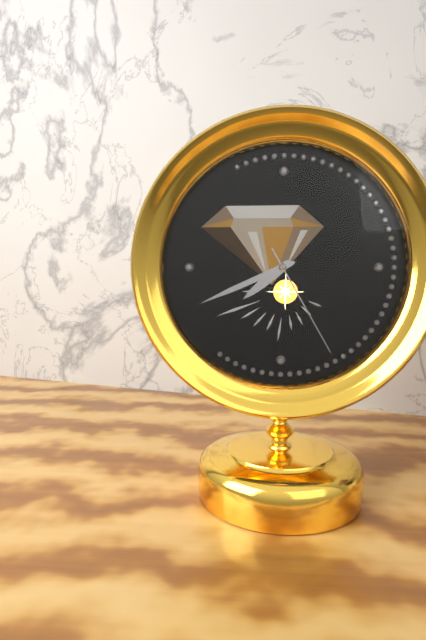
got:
7:41:25
